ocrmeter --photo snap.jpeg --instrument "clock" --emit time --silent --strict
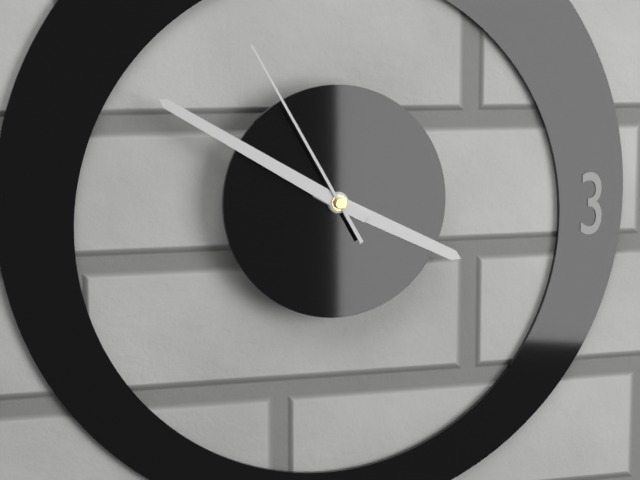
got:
3:50:55
